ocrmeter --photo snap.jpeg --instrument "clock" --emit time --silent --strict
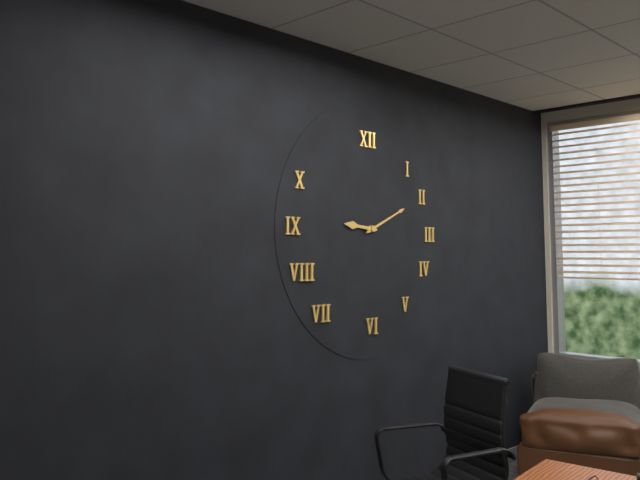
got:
9:11
